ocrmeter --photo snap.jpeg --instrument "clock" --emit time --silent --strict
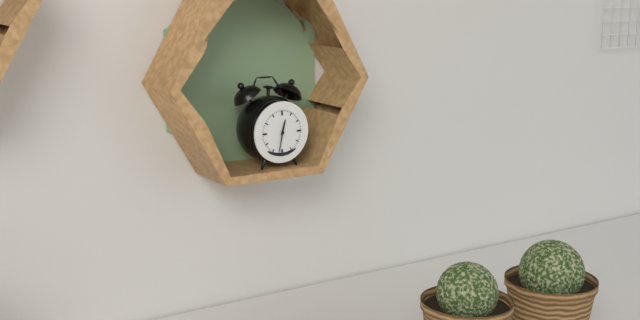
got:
12:32
